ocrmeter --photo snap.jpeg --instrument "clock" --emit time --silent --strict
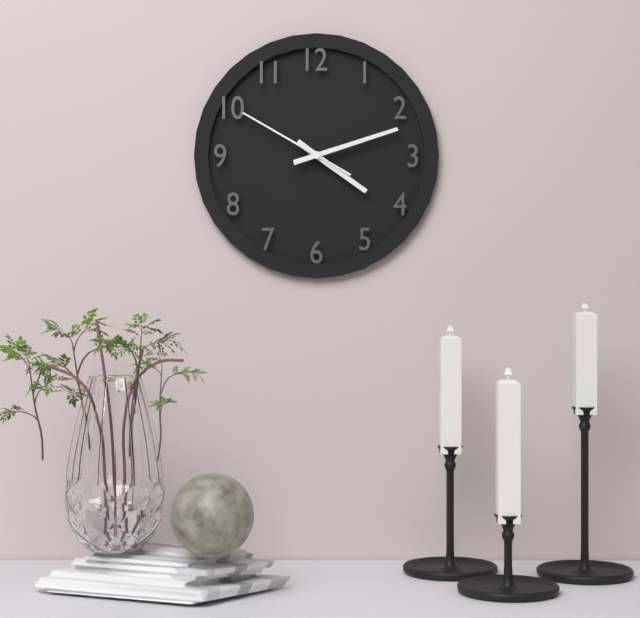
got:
4:12:50
